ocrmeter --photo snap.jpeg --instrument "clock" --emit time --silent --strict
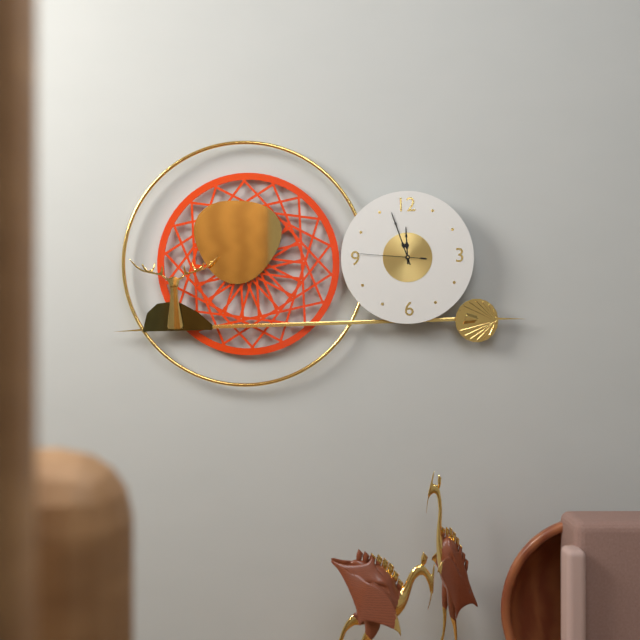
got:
11:57:46
